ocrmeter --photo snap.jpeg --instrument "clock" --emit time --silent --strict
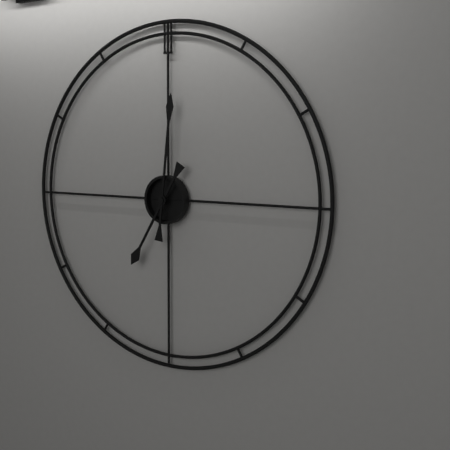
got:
7:01
